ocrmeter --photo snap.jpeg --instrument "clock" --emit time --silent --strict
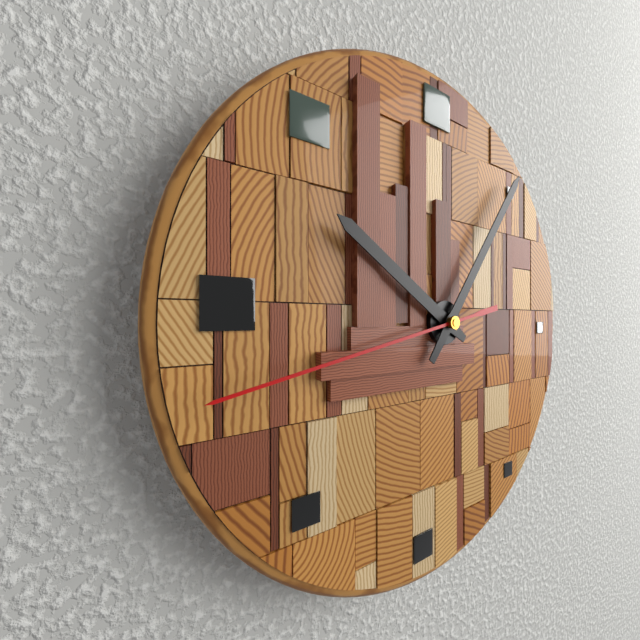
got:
10:06:43
